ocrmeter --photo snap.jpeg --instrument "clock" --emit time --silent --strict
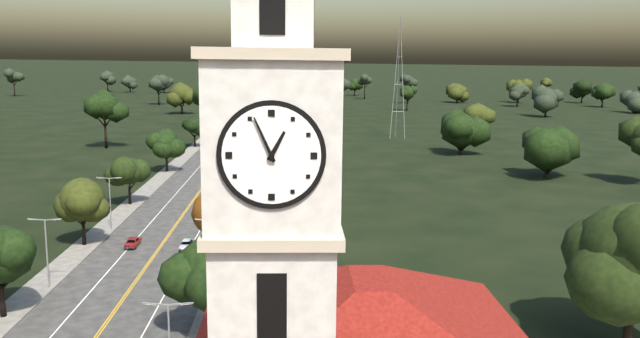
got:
12:56
